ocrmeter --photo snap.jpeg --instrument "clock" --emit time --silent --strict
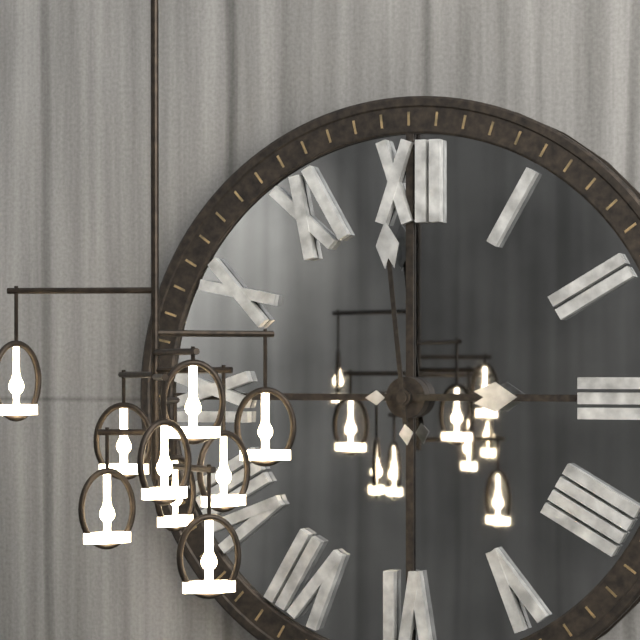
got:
2:59
